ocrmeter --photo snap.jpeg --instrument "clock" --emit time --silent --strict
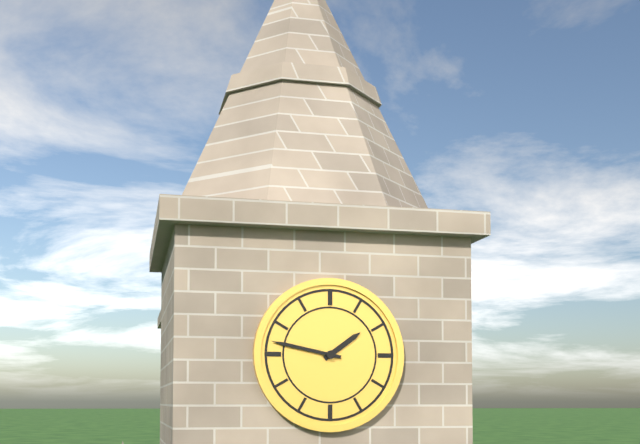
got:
1:47
